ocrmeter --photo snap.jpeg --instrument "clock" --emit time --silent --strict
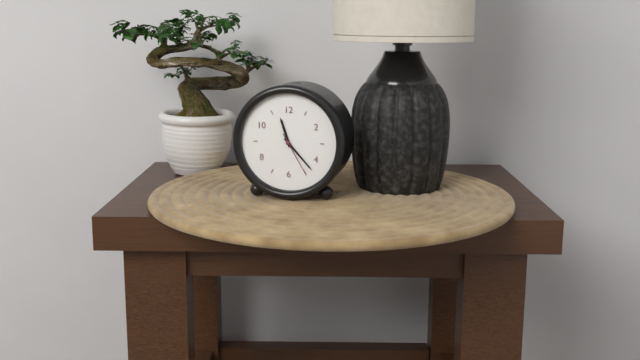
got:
11:23
